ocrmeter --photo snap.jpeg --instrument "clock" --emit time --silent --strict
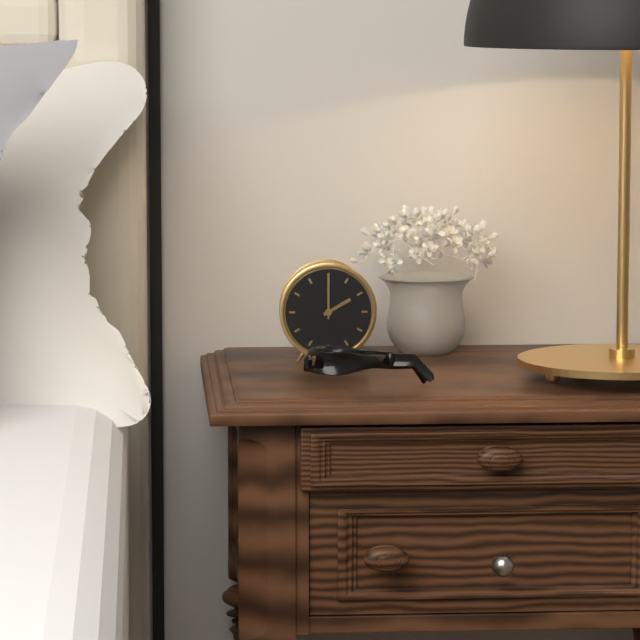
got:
2:00
